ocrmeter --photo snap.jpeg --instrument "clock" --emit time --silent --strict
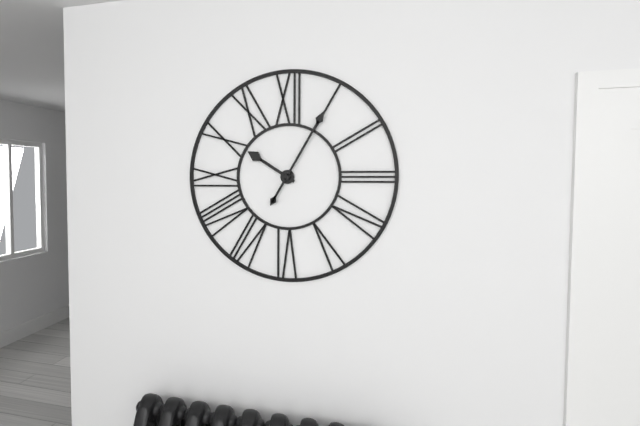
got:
10:05
